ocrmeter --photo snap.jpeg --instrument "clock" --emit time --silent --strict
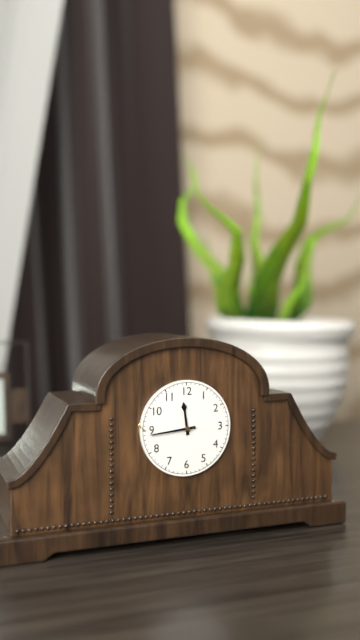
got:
11:44
